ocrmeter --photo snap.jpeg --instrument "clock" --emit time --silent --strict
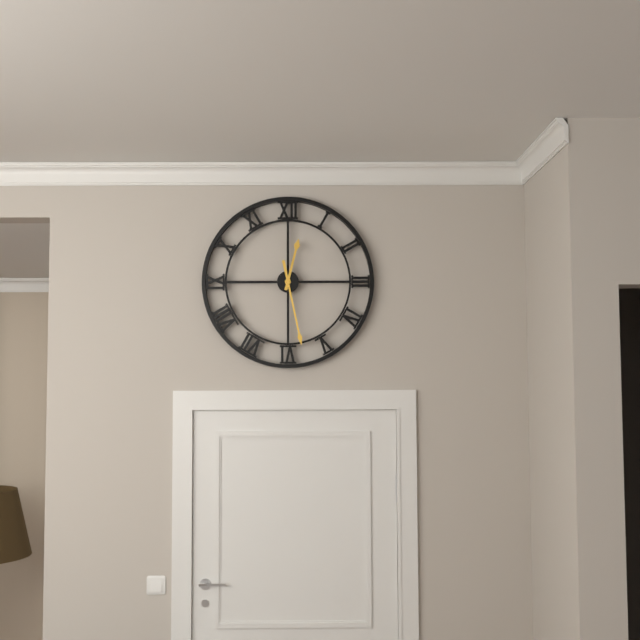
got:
12:28
